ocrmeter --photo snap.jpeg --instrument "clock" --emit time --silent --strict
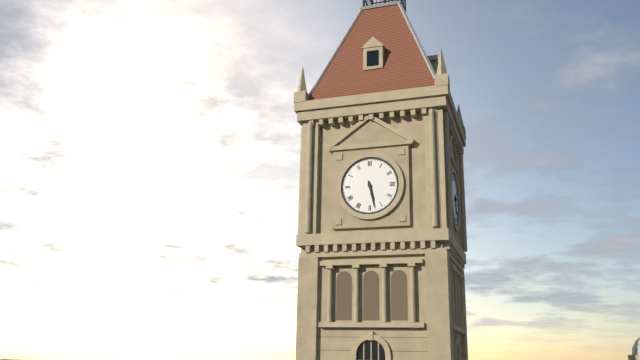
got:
5:28
